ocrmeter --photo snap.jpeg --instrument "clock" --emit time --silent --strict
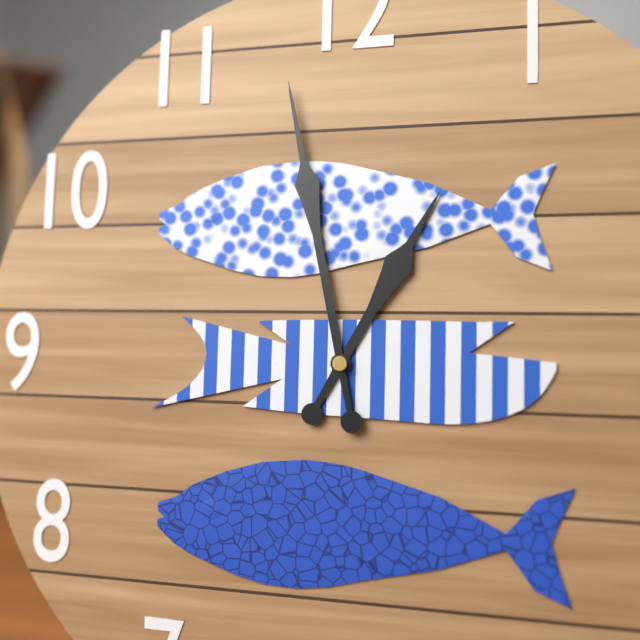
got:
12:58
